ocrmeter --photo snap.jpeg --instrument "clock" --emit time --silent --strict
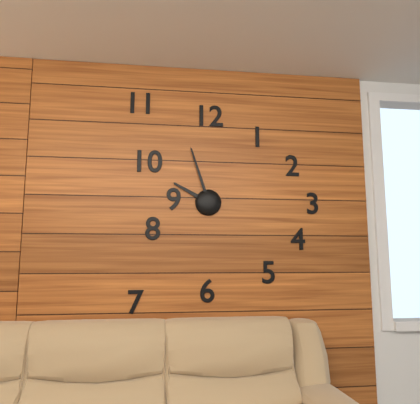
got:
9:57
